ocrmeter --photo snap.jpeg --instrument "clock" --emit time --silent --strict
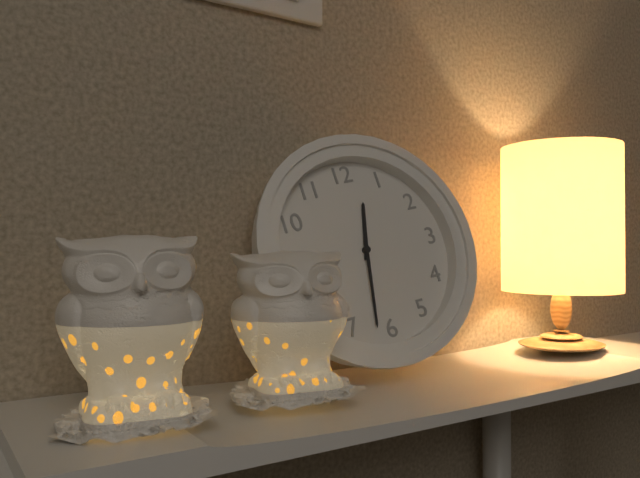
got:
12:32
